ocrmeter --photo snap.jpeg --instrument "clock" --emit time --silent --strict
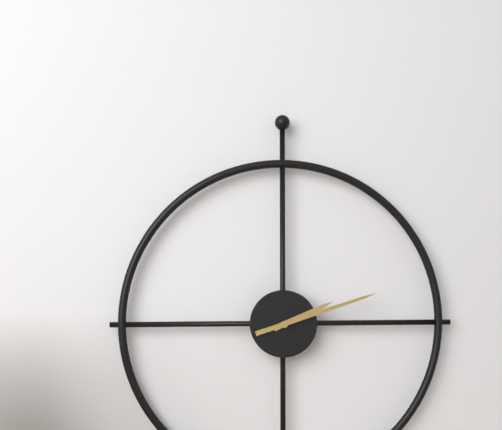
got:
2:12
